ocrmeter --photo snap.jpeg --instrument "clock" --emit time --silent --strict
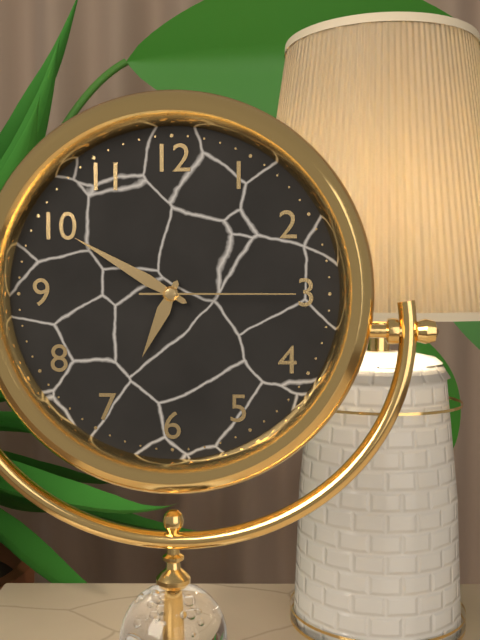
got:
6:50:15
